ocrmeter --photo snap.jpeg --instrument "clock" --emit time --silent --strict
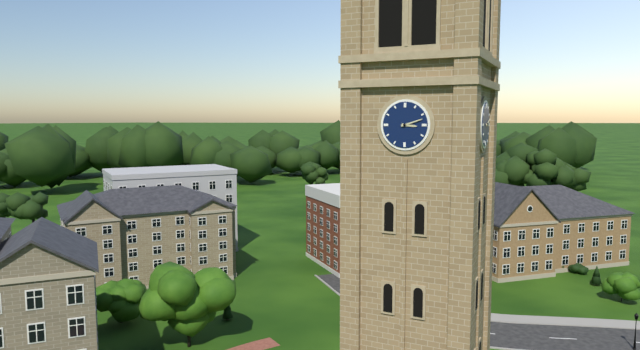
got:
3:12
